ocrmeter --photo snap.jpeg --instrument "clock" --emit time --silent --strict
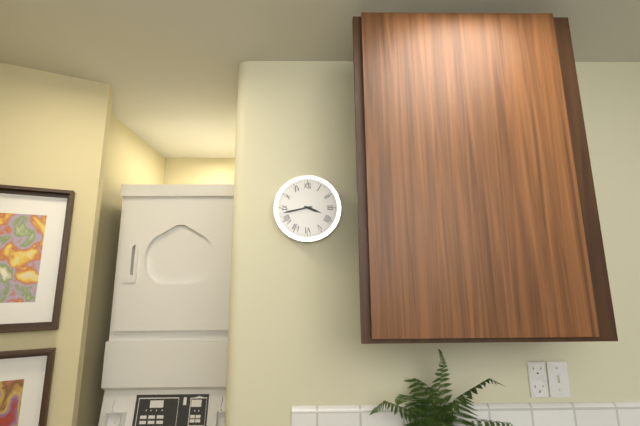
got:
3:43
